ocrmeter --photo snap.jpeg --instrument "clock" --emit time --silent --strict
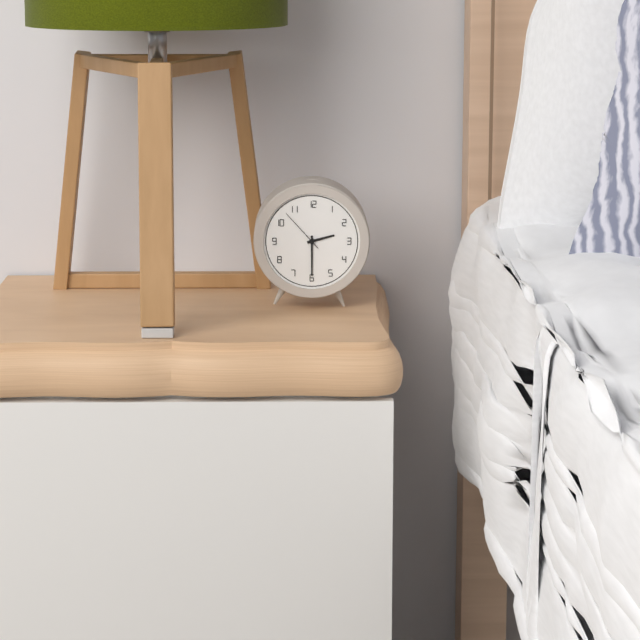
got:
2:30
